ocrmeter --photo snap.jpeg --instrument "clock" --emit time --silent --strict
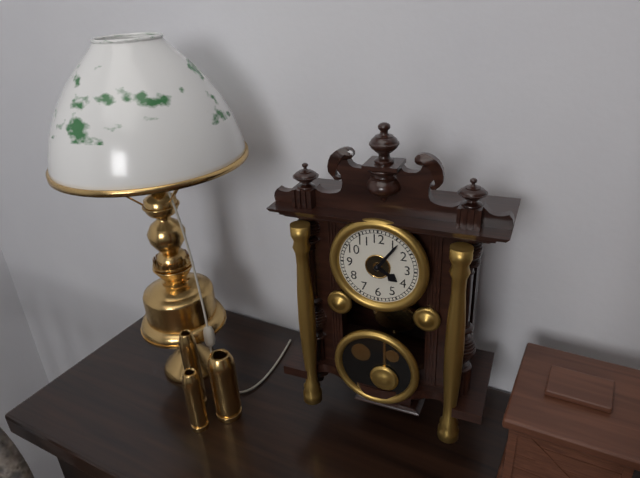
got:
4:06
